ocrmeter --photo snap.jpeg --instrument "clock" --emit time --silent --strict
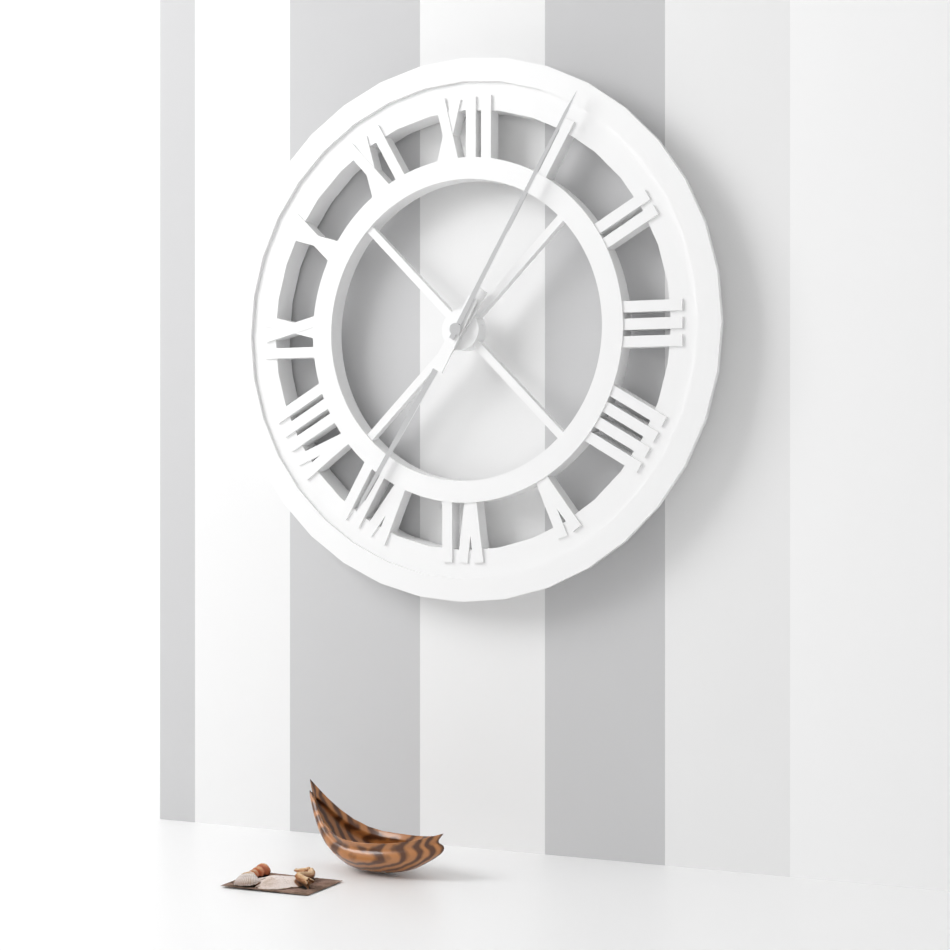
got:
7:05
